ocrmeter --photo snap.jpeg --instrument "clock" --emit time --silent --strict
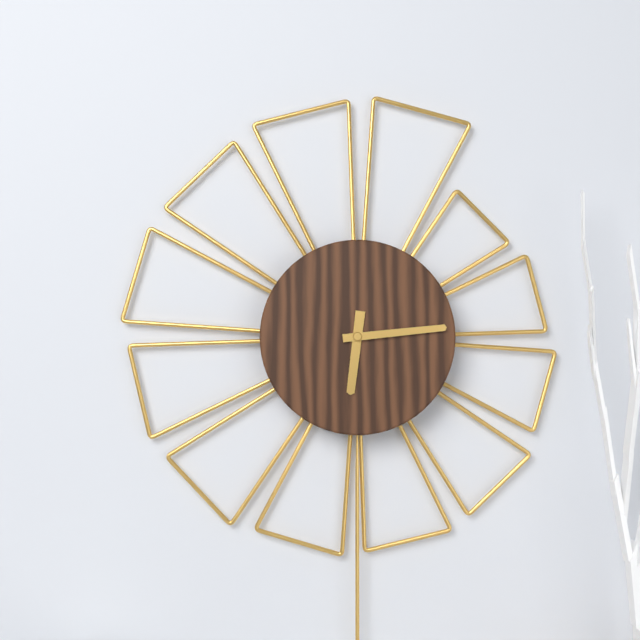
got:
6:14
